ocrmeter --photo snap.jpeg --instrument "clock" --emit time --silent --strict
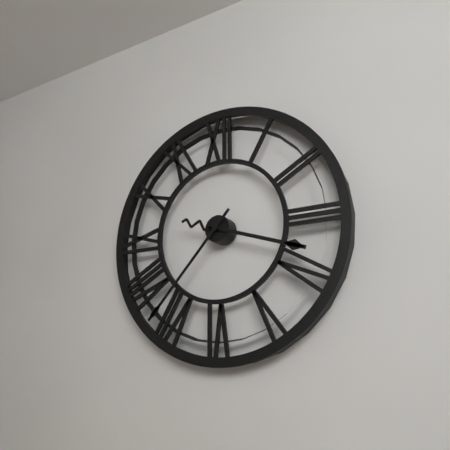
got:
3:37
